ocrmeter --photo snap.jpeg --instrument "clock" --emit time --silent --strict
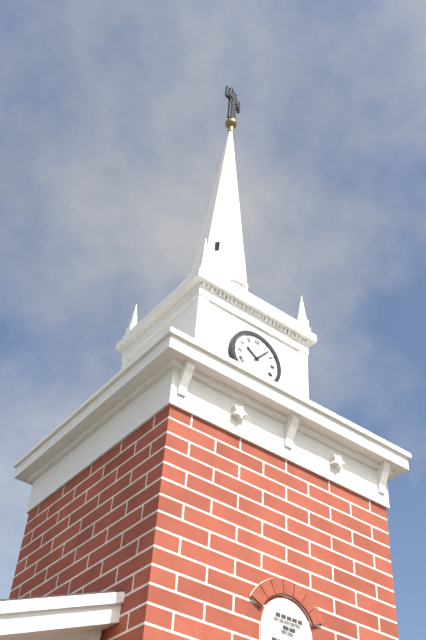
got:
10:07
